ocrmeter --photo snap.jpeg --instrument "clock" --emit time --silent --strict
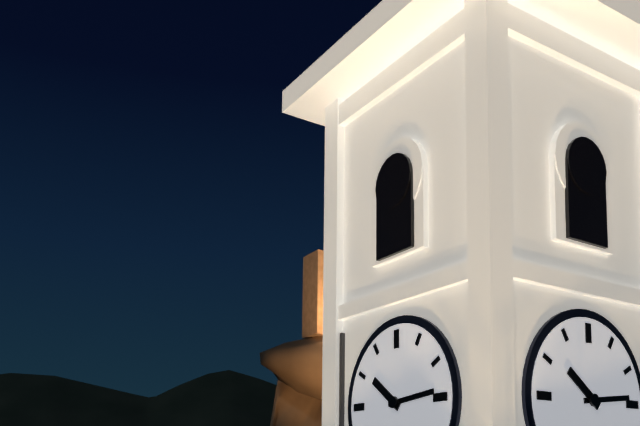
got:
10:14
